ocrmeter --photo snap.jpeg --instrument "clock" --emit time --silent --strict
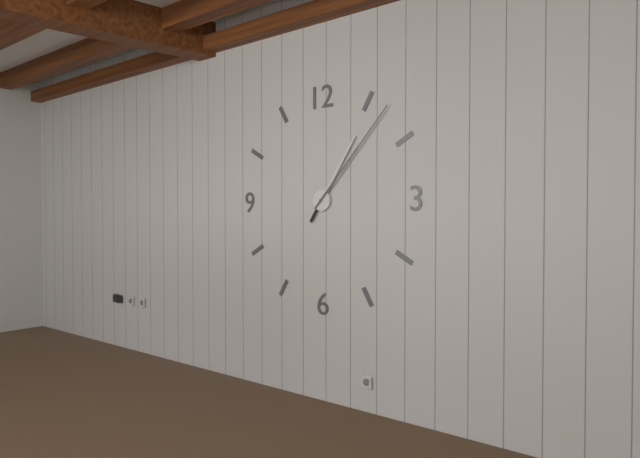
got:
1:07
